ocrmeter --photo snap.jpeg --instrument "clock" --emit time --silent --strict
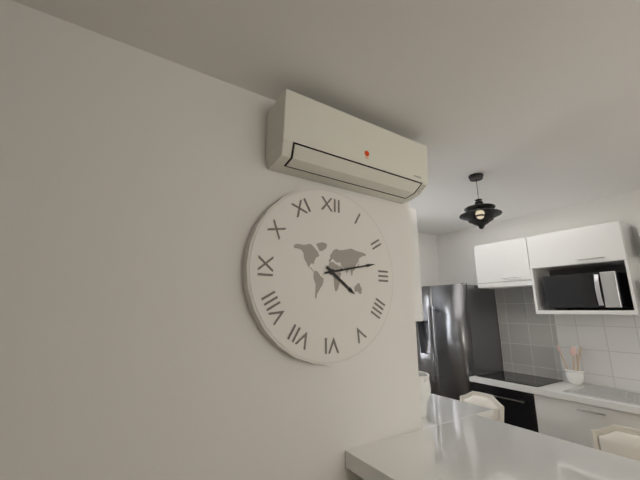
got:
4:13
